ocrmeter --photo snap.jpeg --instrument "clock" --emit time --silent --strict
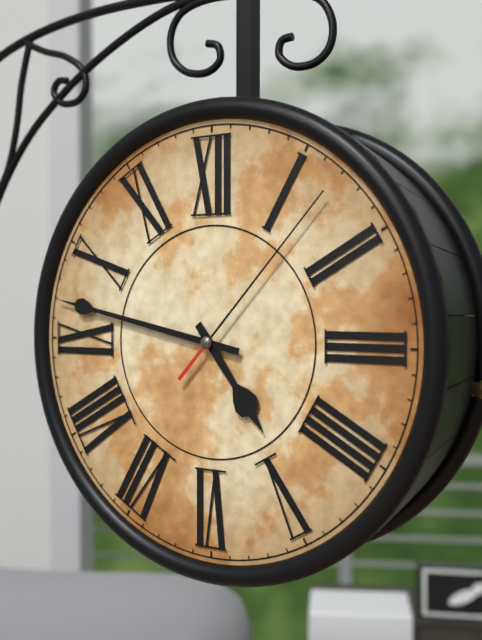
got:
4:47:07
